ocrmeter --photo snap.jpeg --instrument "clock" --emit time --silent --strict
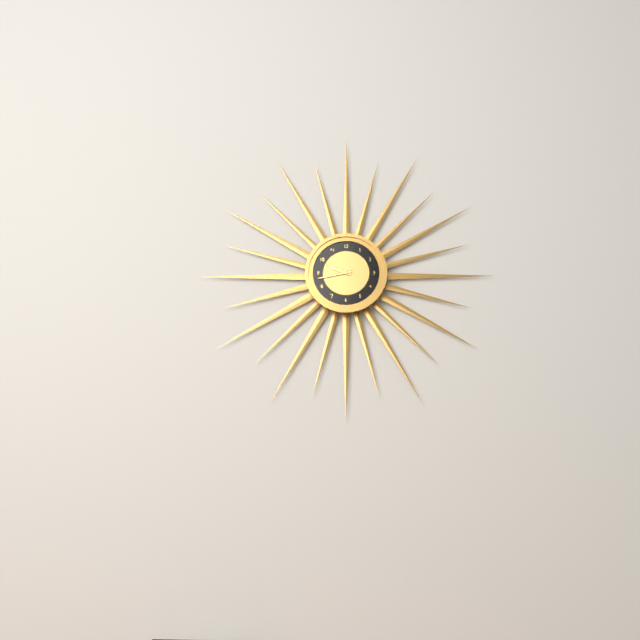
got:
9:43
